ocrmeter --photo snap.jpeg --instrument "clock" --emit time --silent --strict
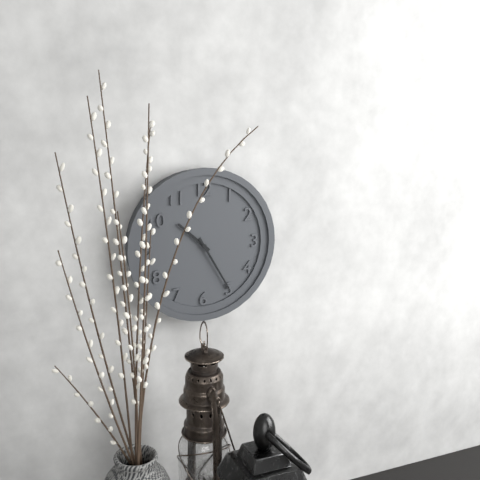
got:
10:25
